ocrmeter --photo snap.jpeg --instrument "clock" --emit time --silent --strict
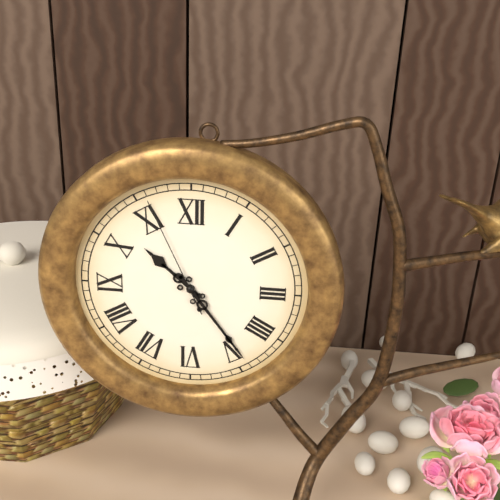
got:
10:24:56
